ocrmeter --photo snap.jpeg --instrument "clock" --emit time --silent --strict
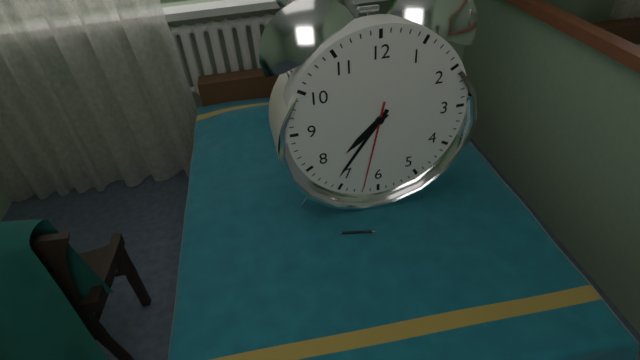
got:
7:36:32
